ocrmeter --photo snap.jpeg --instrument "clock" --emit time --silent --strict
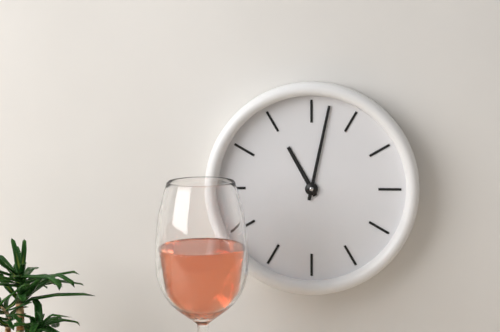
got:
11:02
